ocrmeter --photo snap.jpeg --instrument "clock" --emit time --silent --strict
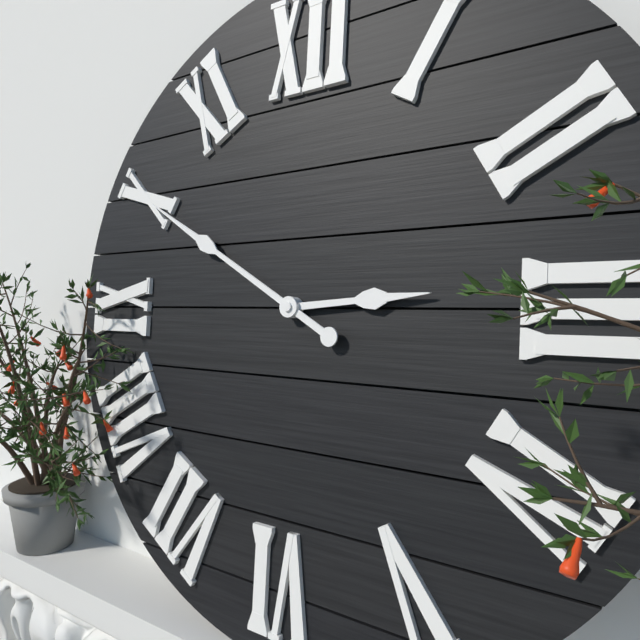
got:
2:50
